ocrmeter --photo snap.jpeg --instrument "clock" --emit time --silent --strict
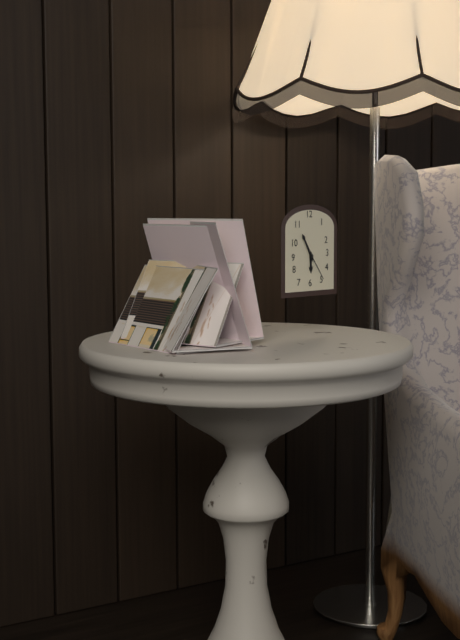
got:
5:55
